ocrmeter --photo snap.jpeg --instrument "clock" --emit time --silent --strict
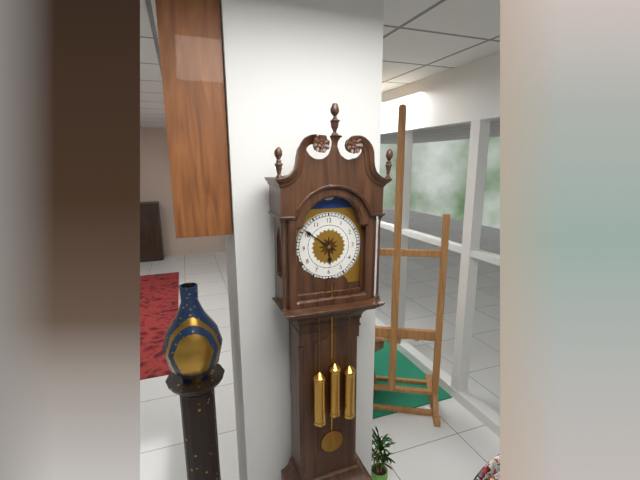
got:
5:51
